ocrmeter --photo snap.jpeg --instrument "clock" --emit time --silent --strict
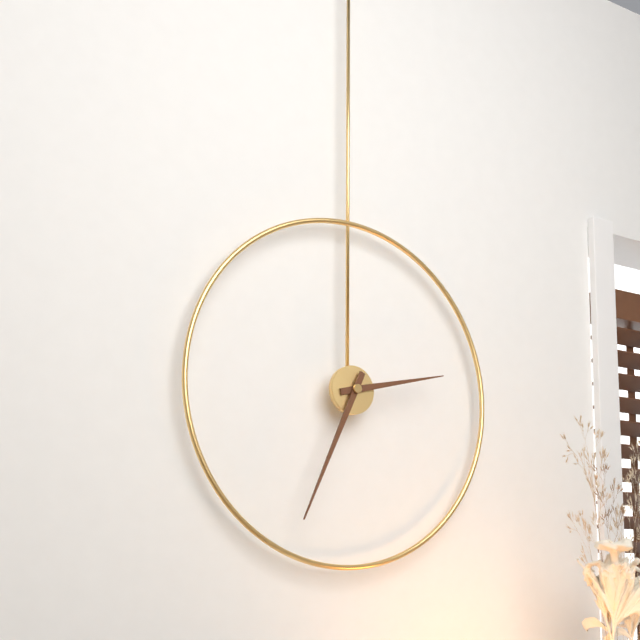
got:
2:34
